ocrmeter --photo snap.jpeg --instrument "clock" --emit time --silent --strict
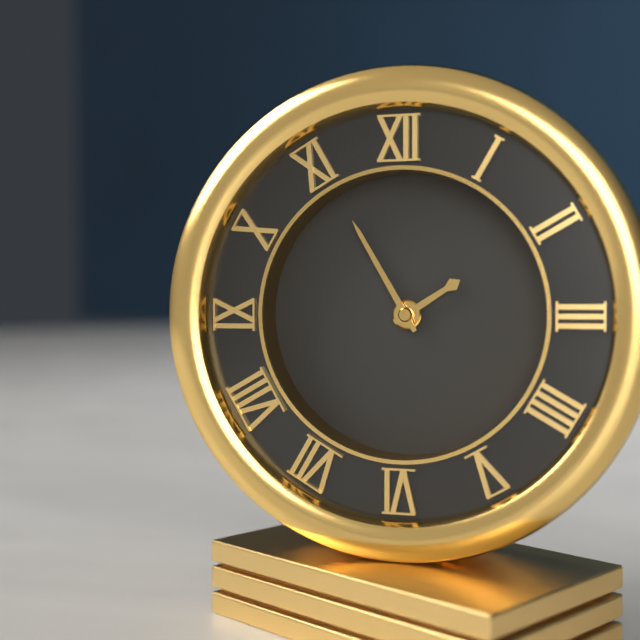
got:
1:55
